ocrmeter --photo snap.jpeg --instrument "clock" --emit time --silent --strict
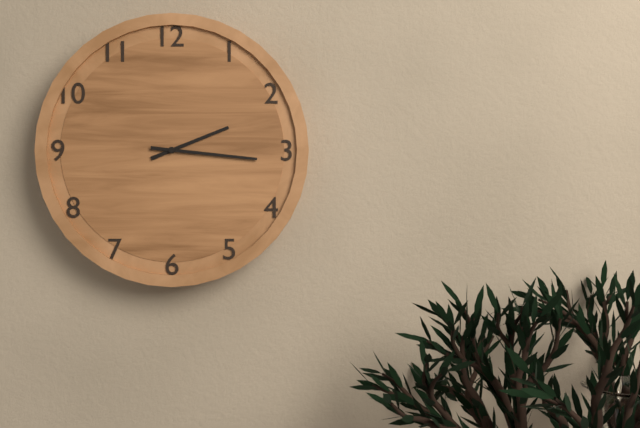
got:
2:16
